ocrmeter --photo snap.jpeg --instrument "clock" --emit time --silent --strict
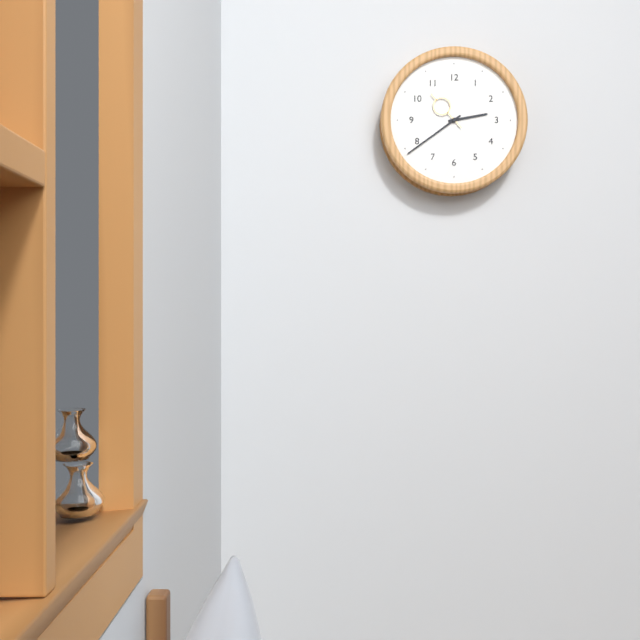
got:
2:39
